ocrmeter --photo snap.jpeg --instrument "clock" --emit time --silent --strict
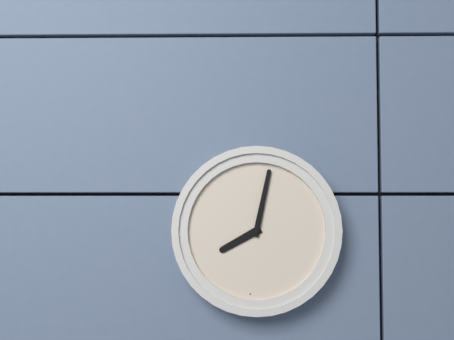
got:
8:02
